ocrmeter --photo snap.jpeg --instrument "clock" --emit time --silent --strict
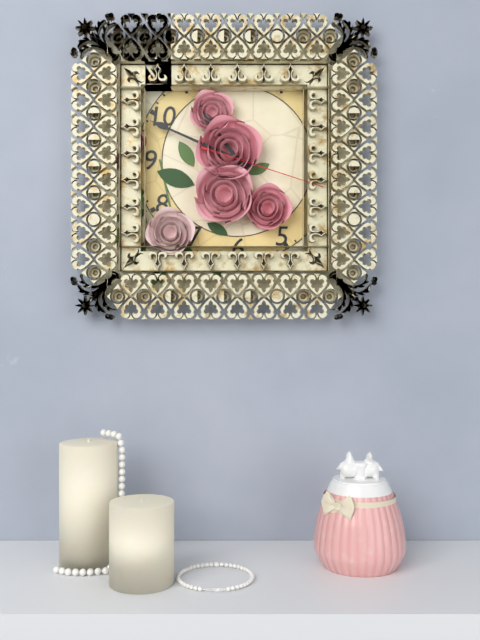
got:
10:49:18
